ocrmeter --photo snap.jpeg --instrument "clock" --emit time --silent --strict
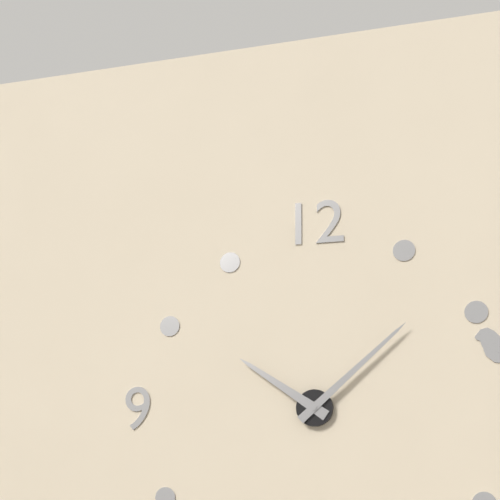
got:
10:08
